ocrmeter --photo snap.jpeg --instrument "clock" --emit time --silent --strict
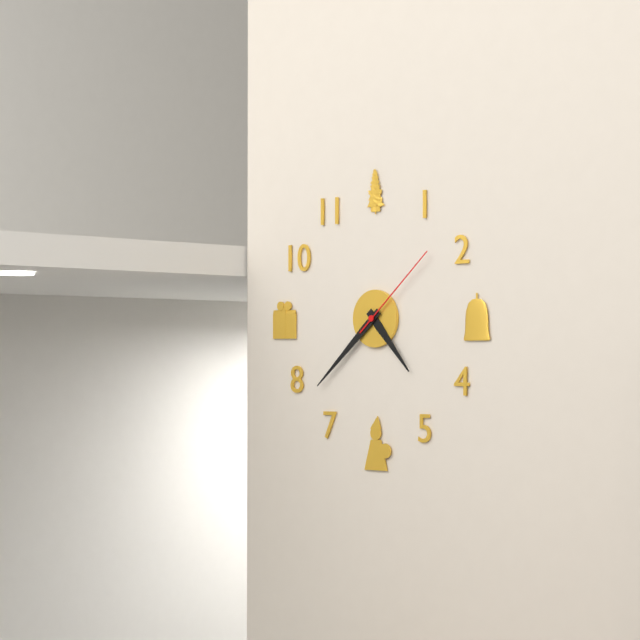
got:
4:38:08
